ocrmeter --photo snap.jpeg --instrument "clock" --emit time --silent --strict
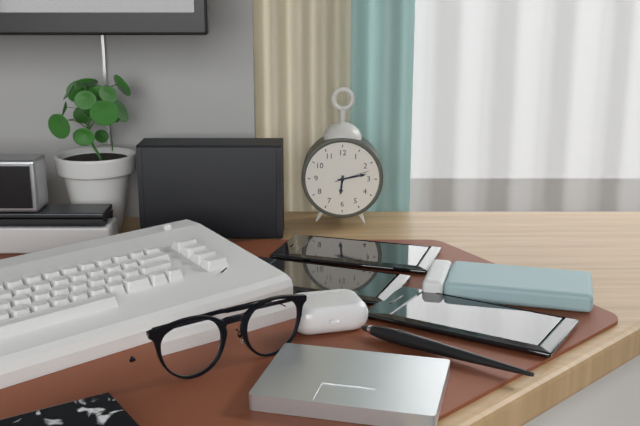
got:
6:13
